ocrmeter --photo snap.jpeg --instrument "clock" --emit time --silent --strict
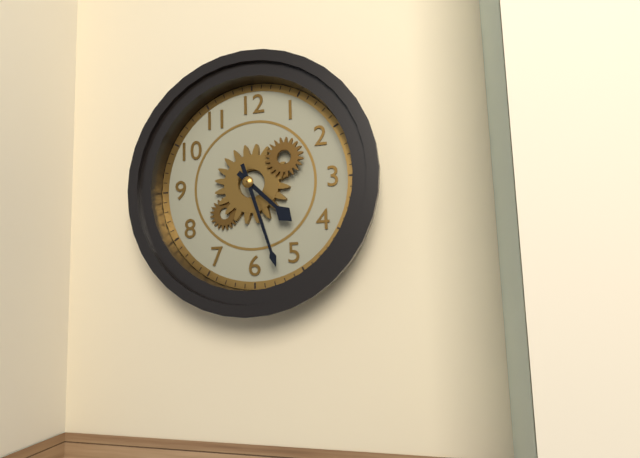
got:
4:27
